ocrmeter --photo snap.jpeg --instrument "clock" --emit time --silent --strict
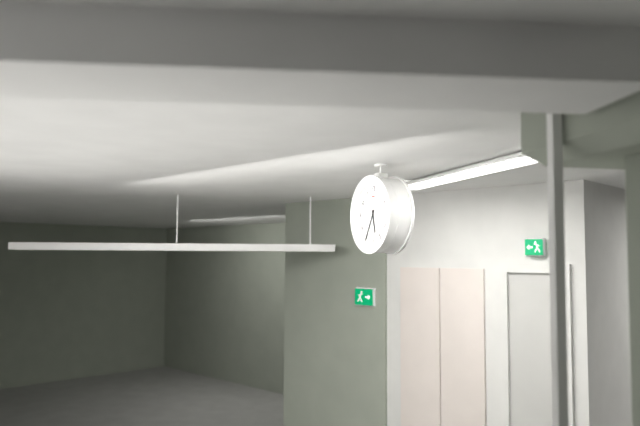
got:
5:35
